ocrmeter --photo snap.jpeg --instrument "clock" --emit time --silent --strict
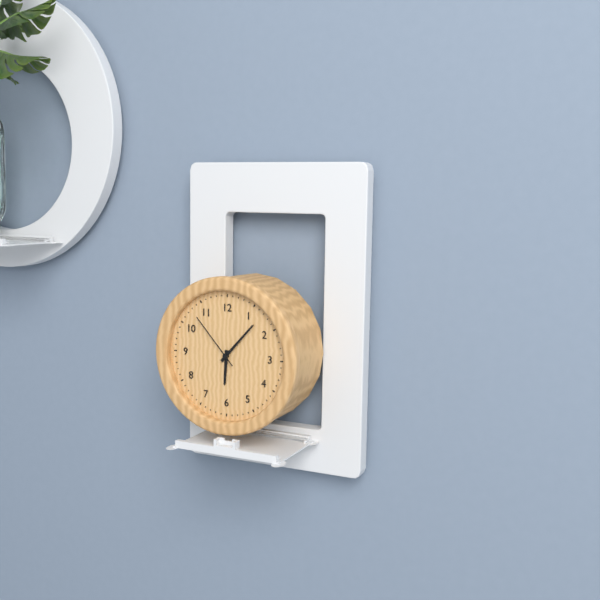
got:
6:07:53
